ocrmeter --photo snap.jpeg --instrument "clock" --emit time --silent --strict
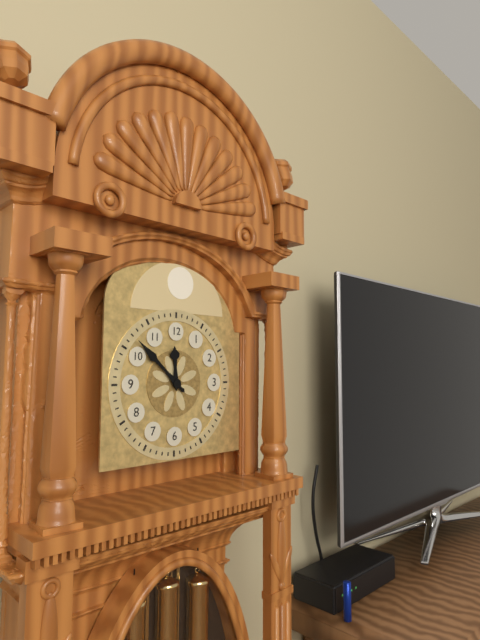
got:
11:52
